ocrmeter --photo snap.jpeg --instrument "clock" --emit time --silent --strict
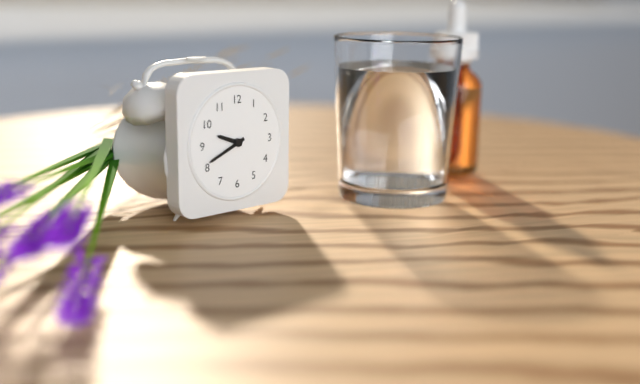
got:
9:41
